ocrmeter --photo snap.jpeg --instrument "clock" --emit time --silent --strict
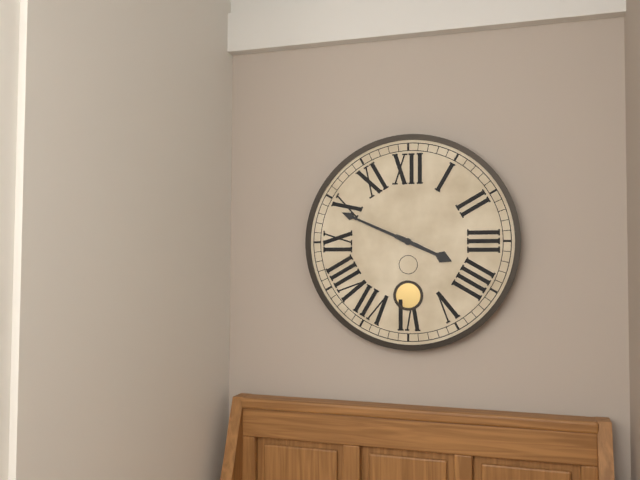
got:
3:49
